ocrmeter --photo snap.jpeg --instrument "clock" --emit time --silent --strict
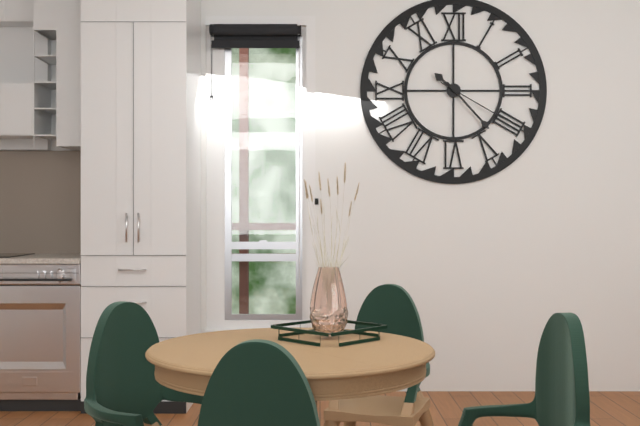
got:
10:23:20
